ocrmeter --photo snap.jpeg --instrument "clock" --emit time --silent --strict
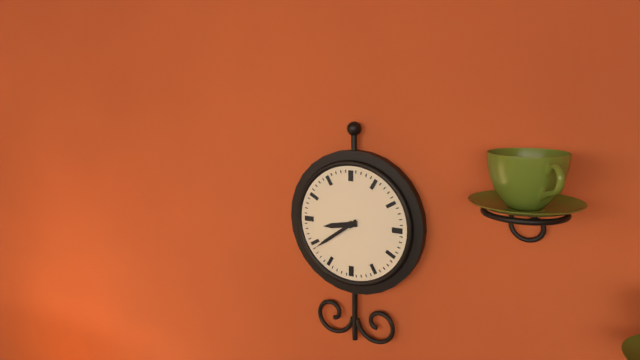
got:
8:39
